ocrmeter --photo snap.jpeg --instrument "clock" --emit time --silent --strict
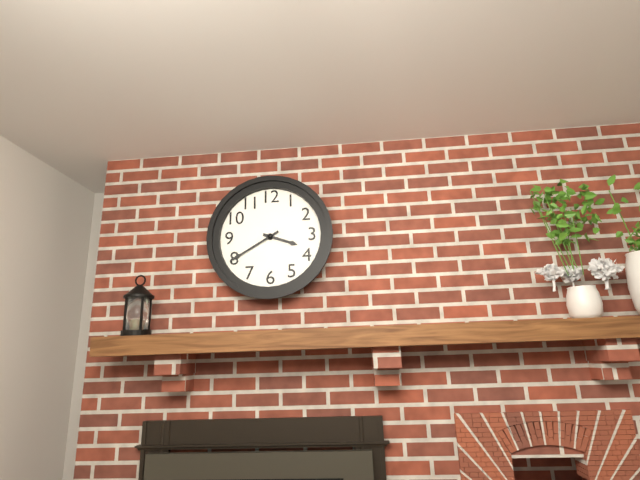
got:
3:40
